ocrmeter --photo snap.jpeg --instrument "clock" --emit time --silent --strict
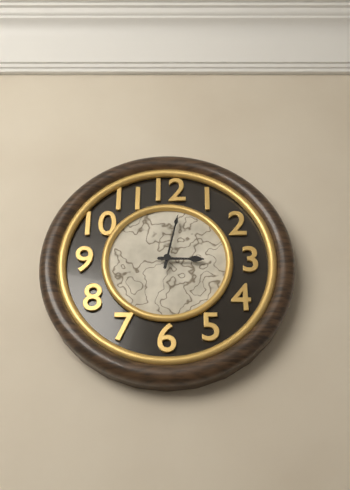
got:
3:02
